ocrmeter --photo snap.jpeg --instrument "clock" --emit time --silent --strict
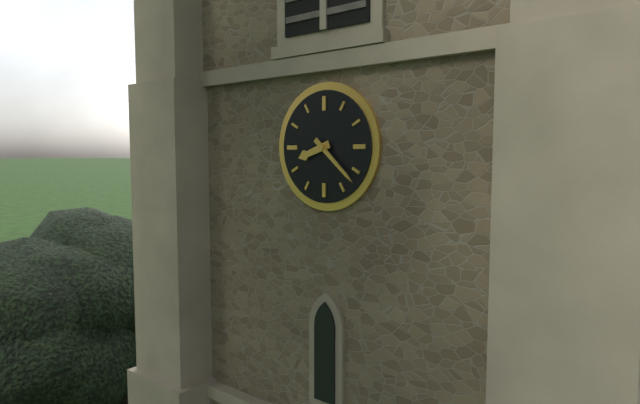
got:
8:22
